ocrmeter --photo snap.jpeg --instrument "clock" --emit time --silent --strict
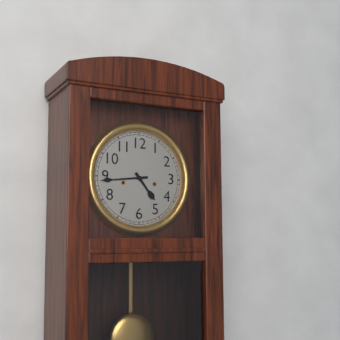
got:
4:44
